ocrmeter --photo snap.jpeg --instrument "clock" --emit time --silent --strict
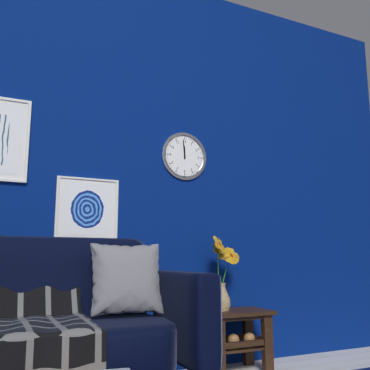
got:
11:59
